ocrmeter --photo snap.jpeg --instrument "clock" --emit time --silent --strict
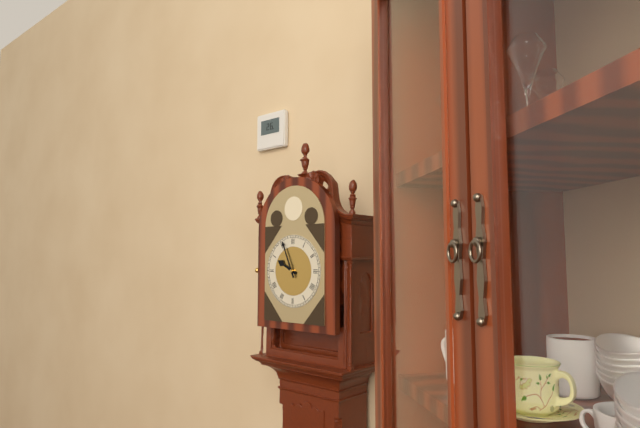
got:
9:56
